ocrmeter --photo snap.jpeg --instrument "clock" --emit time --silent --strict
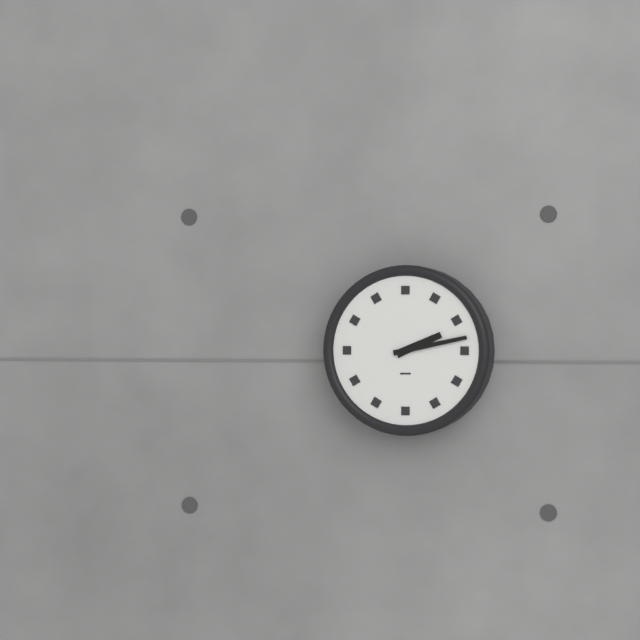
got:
2:13
